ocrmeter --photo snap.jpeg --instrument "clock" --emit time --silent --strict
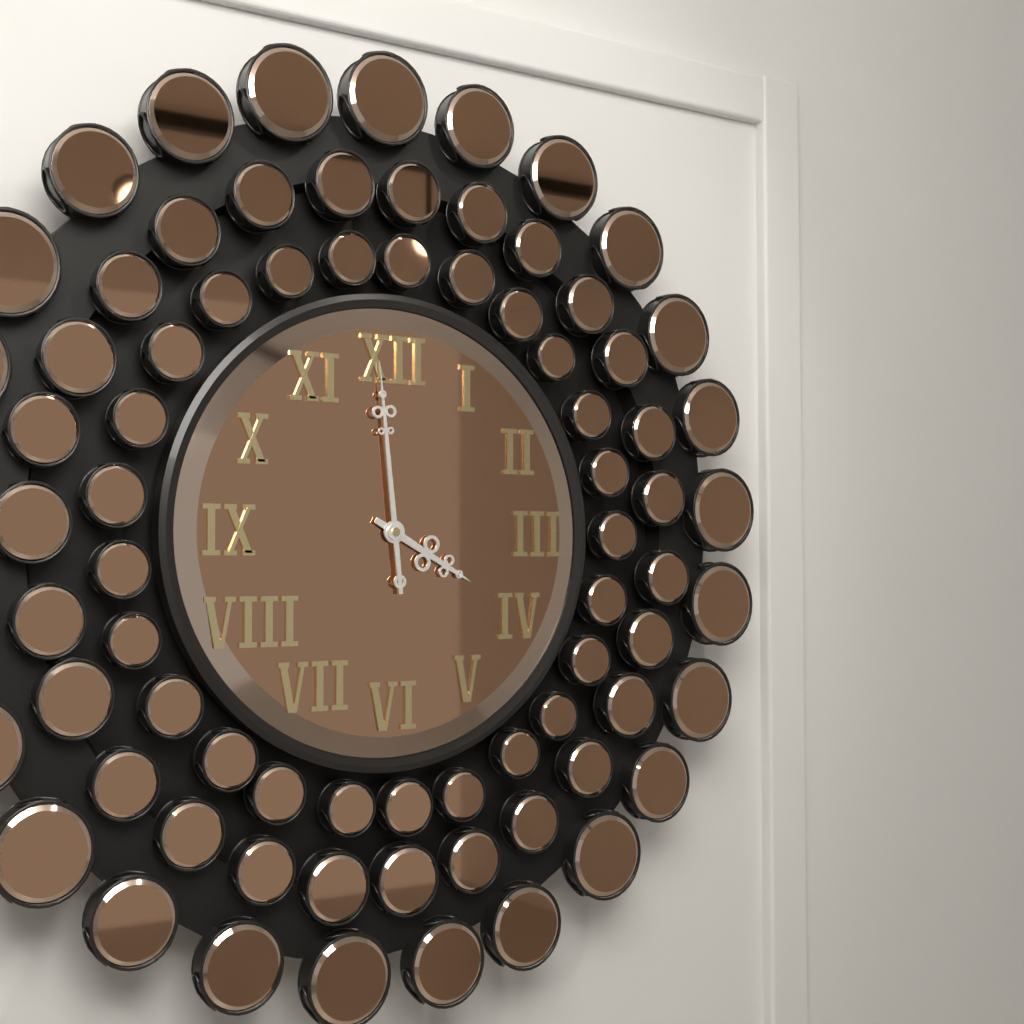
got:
3:59
